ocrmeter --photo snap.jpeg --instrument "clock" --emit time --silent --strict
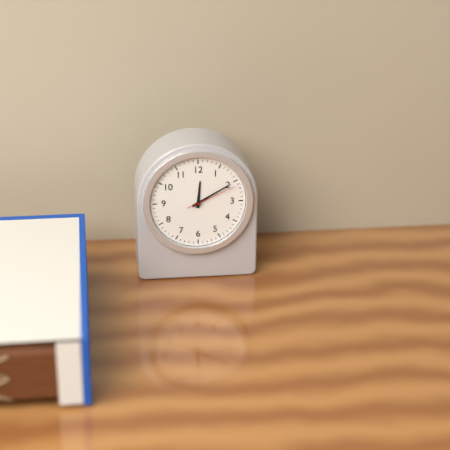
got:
12:10:11
